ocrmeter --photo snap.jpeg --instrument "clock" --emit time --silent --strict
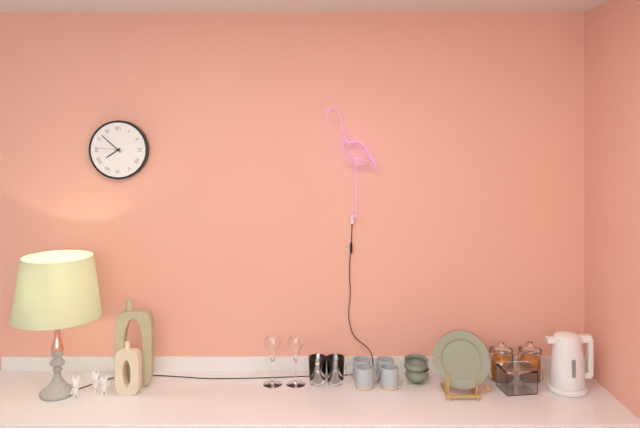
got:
7:52
